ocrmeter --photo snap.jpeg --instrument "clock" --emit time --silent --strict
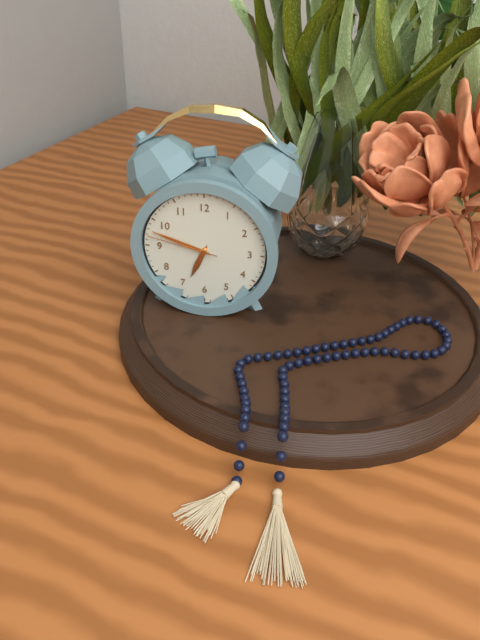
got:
6:48:47
